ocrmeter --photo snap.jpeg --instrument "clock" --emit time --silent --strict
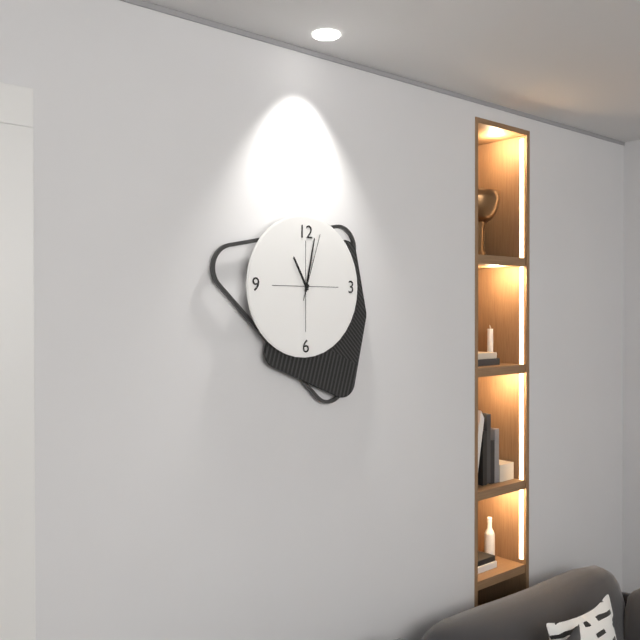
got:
11:02:03
